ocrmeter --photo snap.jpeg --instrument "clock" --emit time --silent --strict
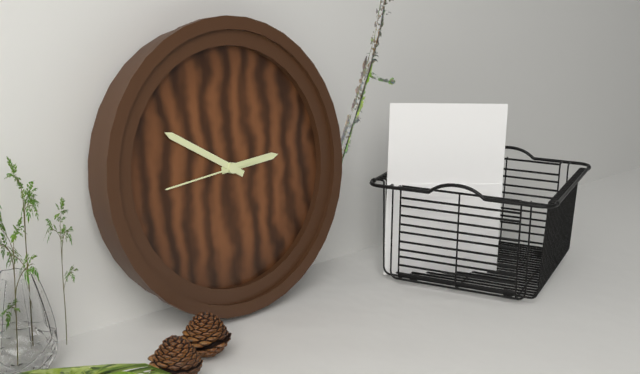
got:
2:50:44
